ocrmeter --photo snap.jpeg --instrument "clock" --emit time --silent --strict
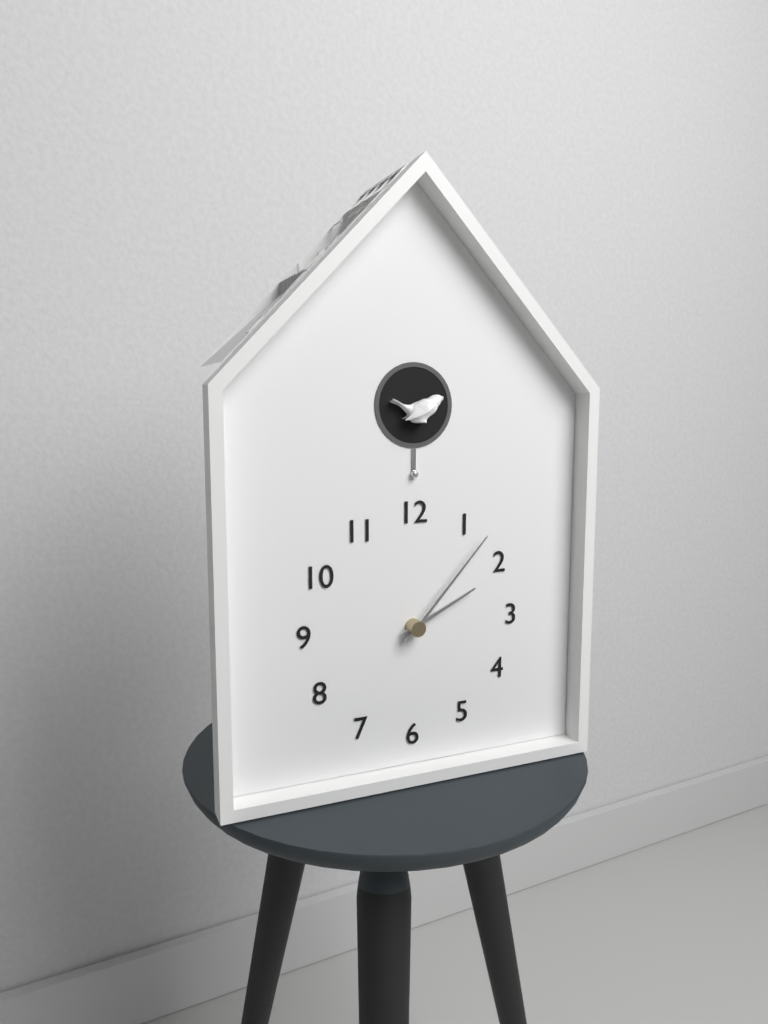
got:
2:07
